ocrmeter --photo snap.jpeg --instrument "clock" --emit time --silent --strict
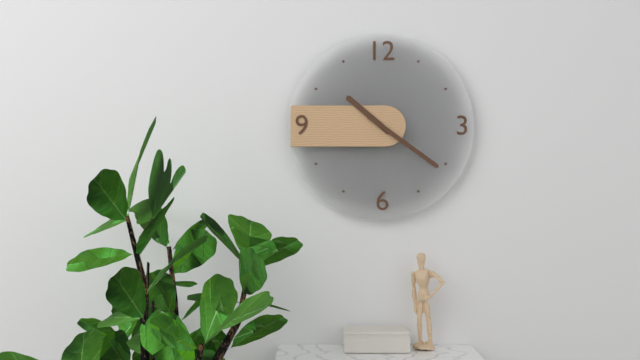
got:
10:21
